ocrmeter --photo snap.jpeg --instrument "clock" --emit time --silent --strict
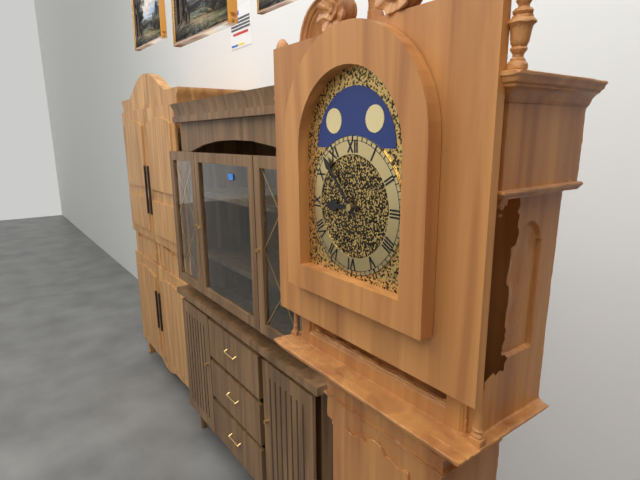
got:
8:53
